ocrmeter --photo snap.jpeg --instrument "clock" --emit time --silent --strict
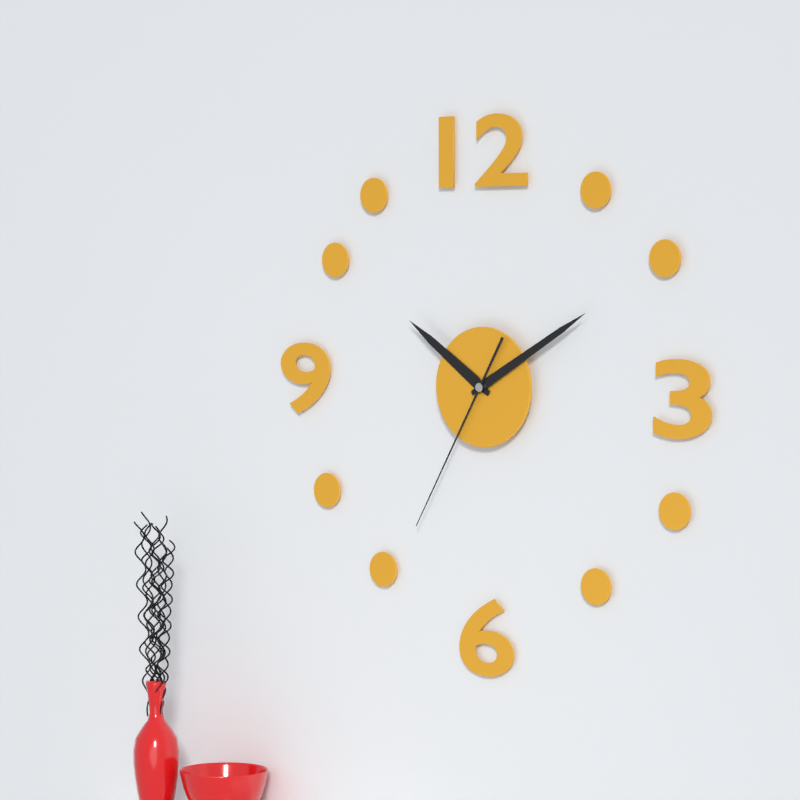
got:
10:10:35
